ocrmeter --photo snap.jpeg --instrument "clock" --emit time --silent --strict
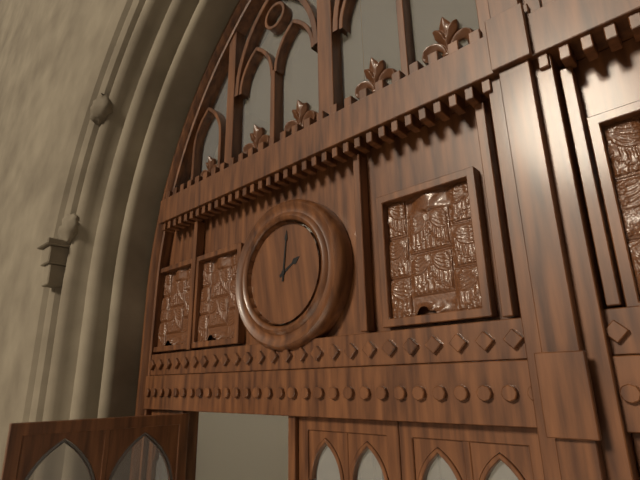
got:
2:01
